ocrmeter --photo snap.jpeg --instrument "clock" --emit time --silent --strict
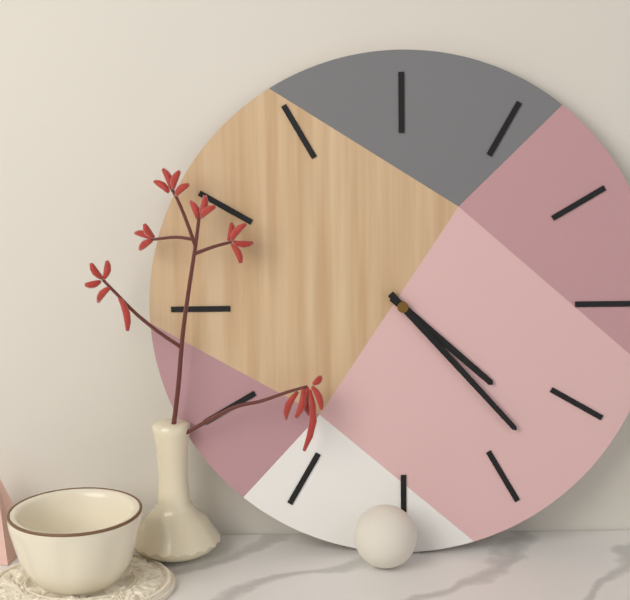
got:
4:23
